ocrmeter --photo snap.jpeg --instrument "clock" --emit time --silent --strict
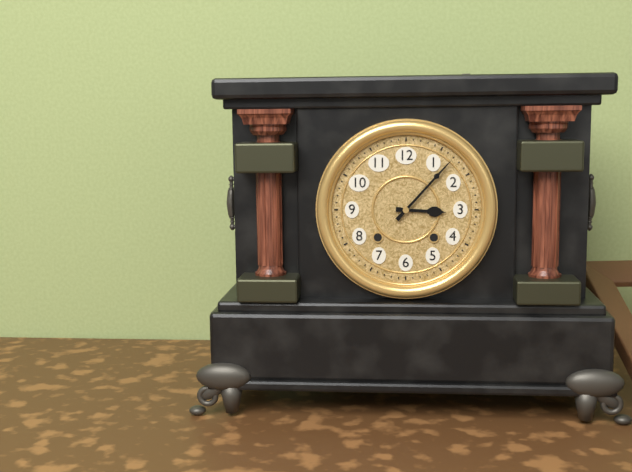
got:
3:07
